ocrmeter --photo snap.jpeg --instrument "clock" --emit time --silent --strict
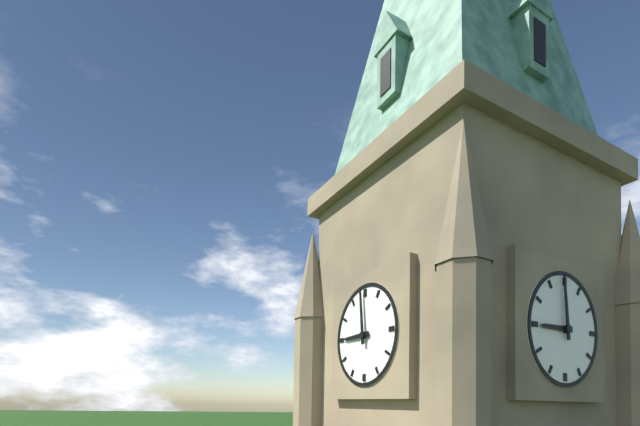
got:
8:59
